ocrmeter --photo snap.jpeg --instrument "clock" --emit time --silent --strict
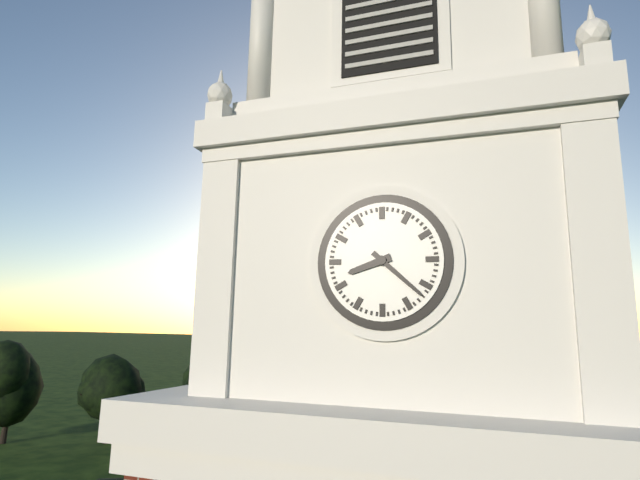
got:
8:22
